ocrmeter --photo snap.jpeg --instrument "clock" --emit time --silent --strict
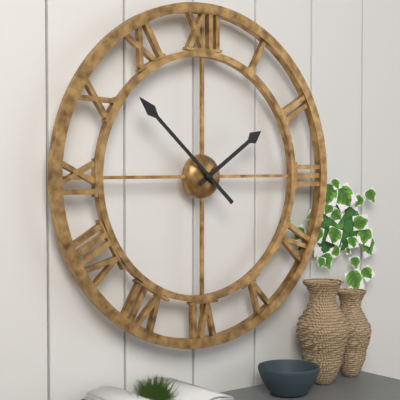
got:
1:52
